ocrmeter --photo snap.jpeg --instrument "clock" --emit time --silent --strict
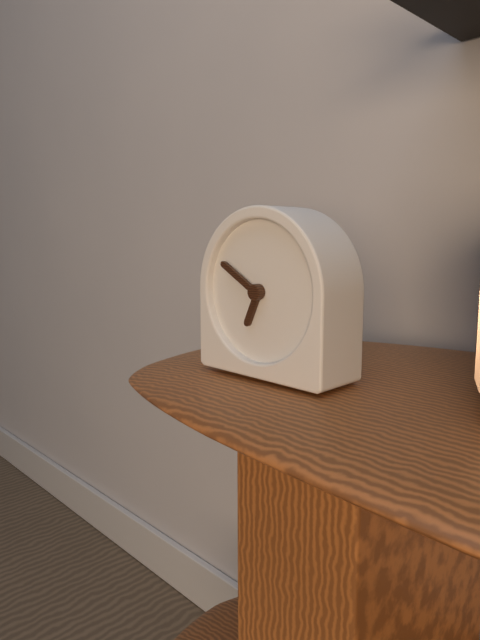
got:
6:50
